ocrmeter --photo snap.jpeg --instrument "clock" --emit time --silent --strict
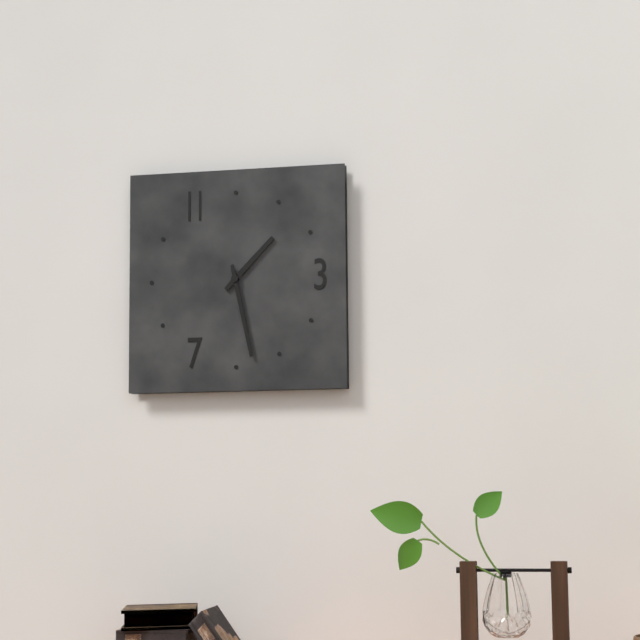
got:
1:28
